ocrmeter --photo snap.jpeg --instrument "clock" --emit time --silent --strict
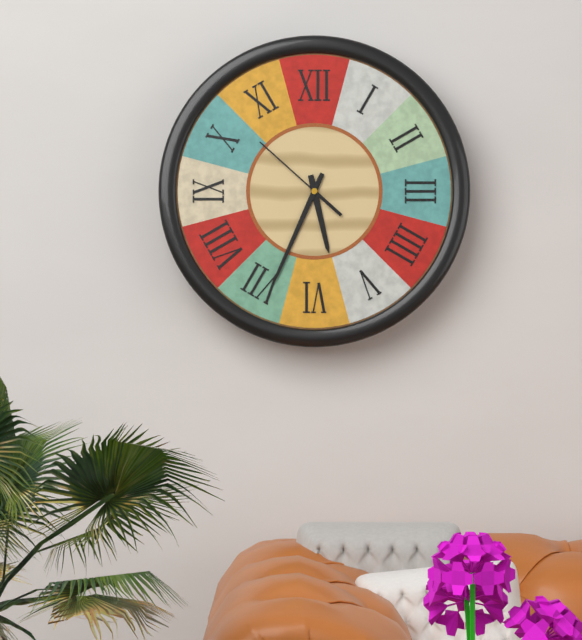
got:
5:34:52
